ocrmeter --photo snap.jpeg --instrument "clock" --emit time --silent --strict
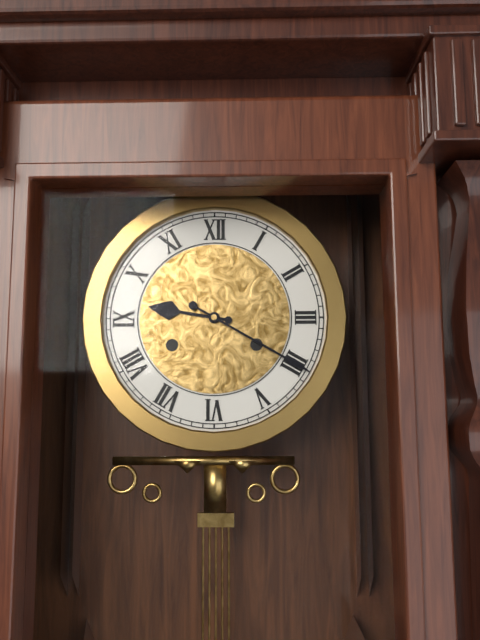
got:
9:20
